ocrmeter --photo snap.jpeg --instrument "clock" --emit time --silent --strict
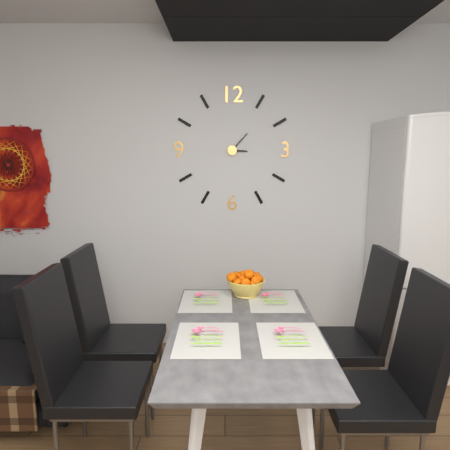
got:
3:07
